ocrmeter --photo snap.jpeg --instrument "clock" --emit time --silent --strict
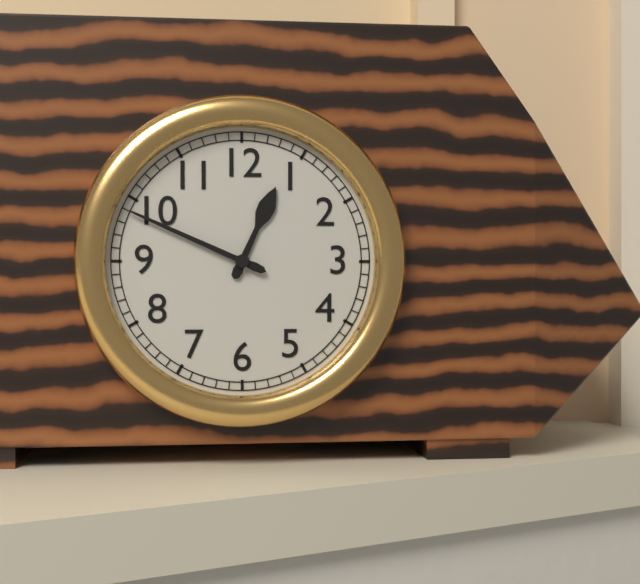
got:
12:49
